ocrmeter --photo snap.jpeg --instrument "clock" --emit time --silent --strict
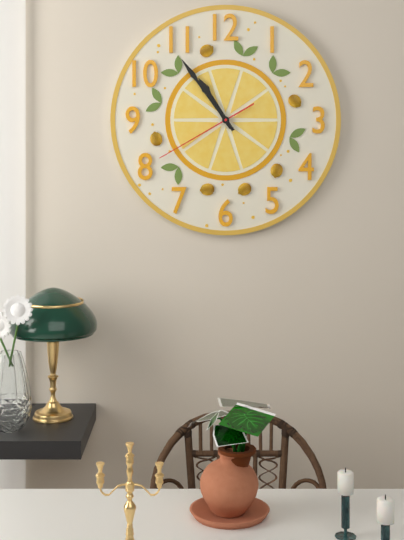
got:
10:54:40
